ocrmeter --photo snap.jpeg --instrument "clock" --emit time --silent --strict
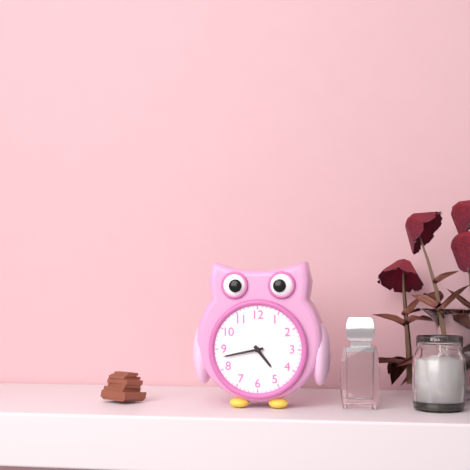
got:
4:43
